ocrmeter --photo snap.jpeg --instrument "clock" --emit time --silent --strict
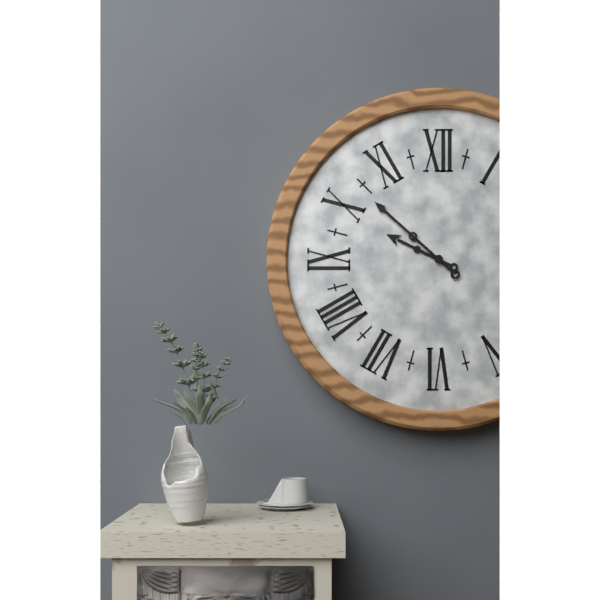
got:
9:52
